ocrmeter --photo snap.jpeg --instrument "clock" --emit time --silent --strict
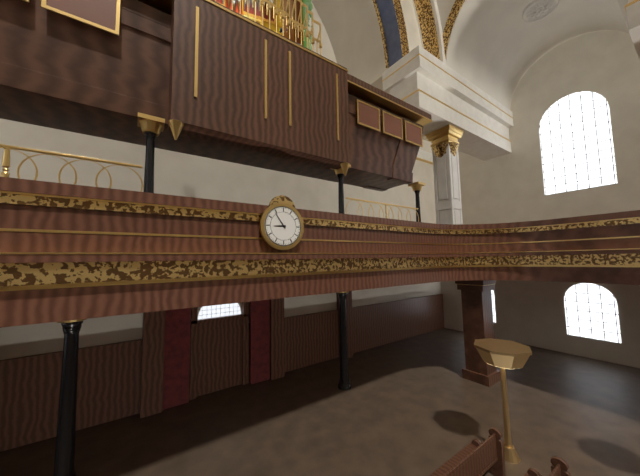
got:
8:54
